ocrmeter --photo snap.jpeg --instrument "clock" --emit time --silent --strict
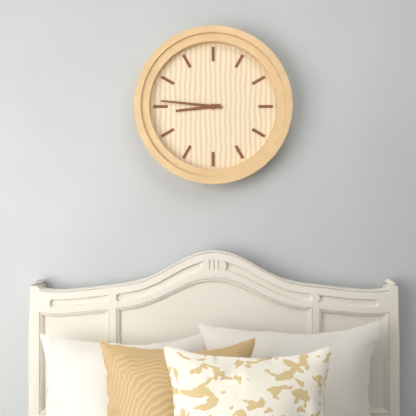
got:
8:46
